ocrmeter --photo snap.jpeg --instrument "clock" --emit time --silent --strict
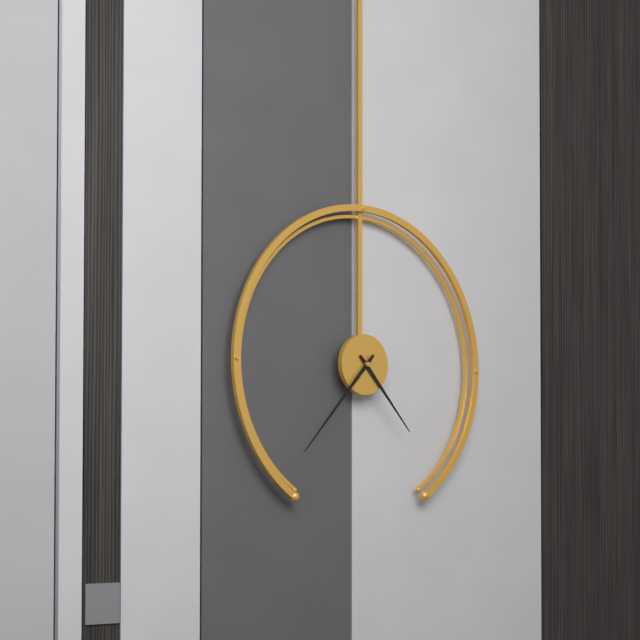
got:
4:37
